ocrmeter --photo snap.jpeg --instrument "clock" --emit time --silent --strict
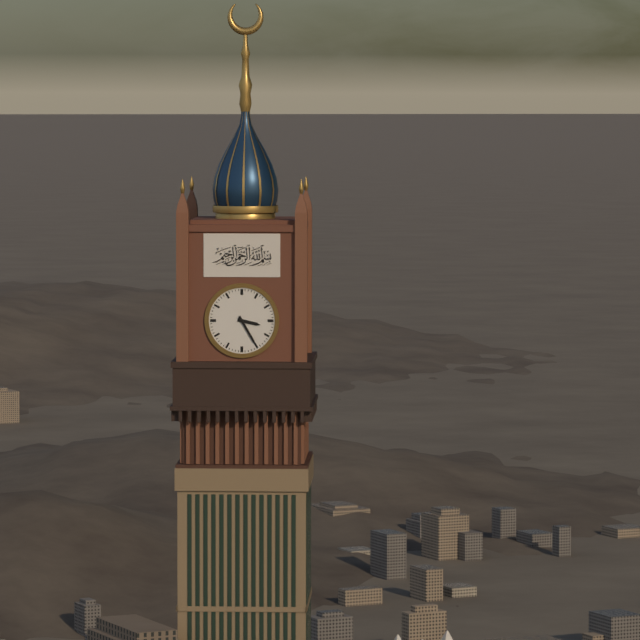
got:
3:25
